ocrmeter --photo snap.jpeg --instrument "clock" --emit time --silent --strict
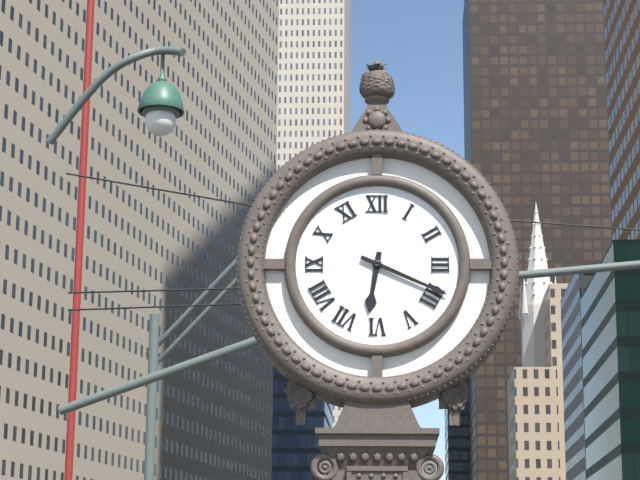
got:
6:19
